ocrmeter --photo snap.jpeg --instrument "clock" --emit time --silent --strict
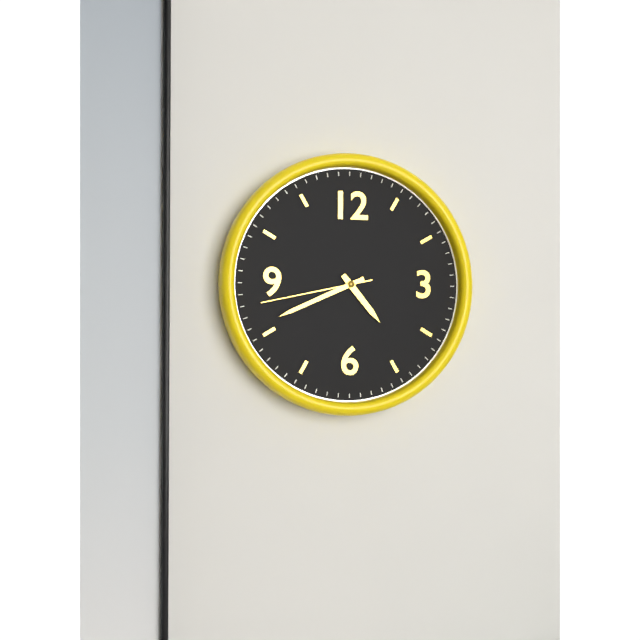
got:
4:41:43
